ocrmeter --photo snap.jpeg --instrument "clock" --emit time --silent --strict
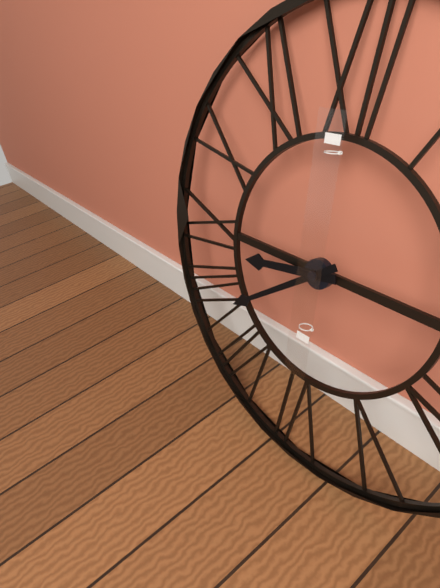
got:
8:39
